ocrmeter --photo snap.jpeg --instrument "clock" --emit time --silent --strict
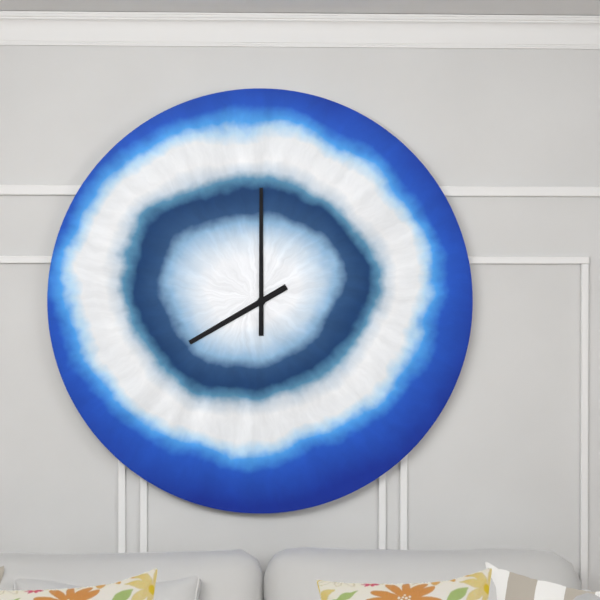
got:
8:00
